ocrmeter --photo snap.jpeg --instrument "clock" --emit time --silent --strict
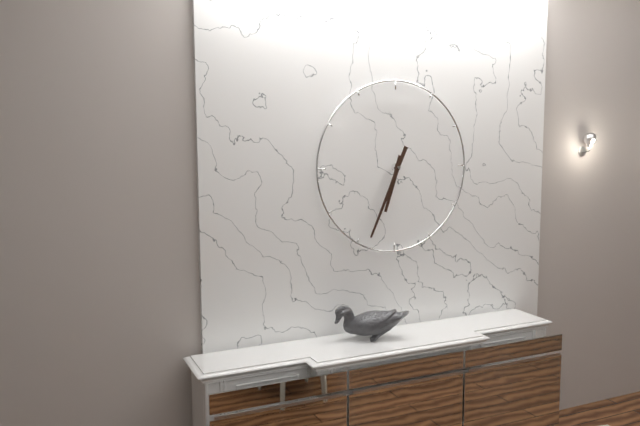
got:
6:34
